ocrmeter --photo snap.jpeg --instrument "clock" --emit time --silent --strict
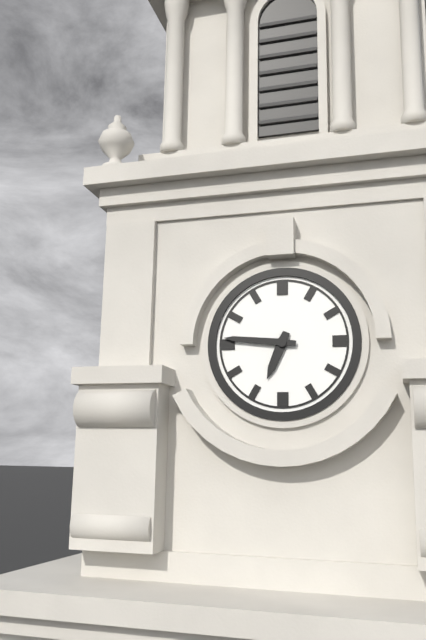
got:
6:46
